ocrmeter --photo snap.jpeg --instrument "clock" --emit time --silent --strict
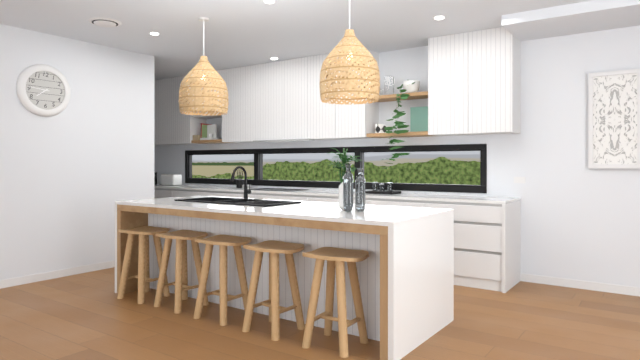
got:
7:46
